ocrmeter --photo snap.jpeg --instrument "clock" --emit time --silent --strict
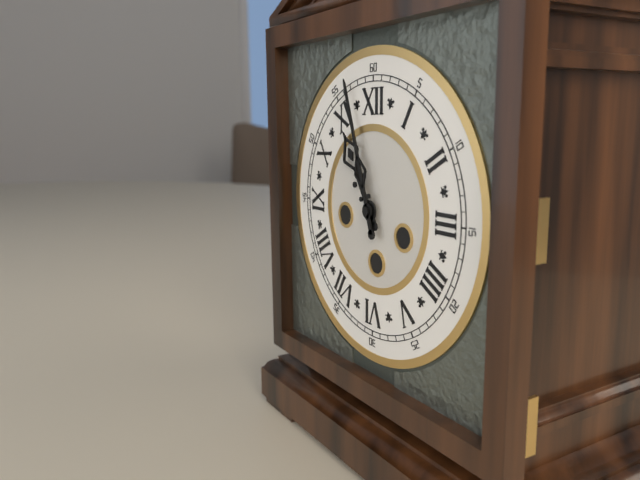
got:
10:57
